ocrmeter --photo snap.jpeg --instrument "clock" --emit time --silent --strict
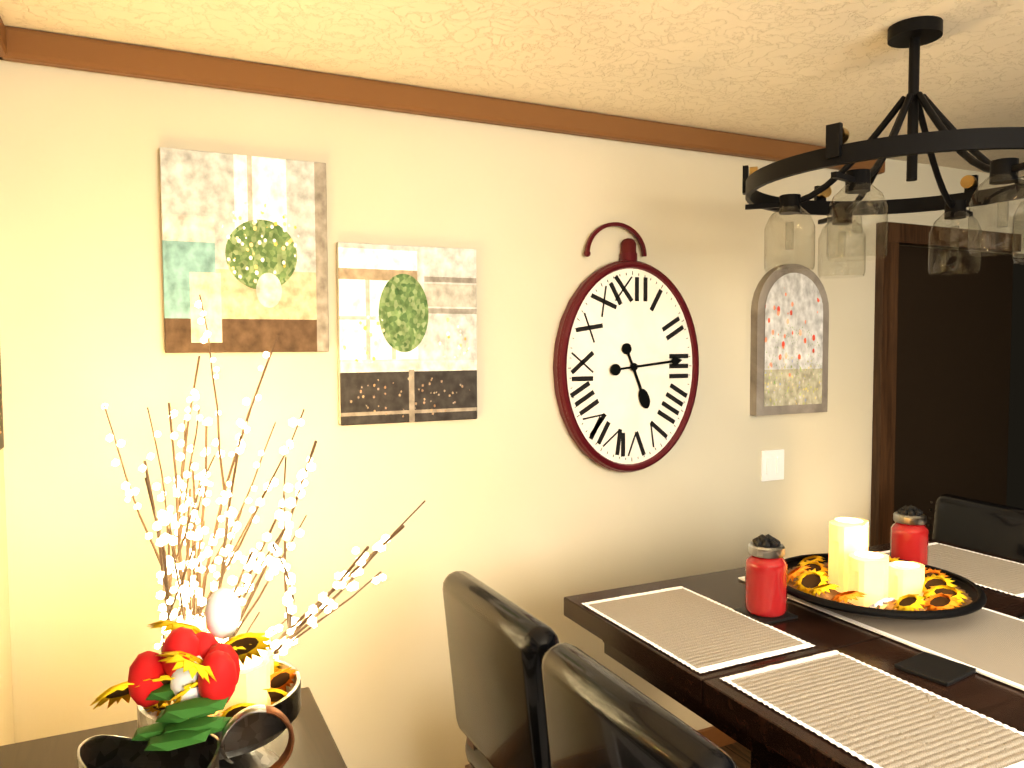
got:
5:14
